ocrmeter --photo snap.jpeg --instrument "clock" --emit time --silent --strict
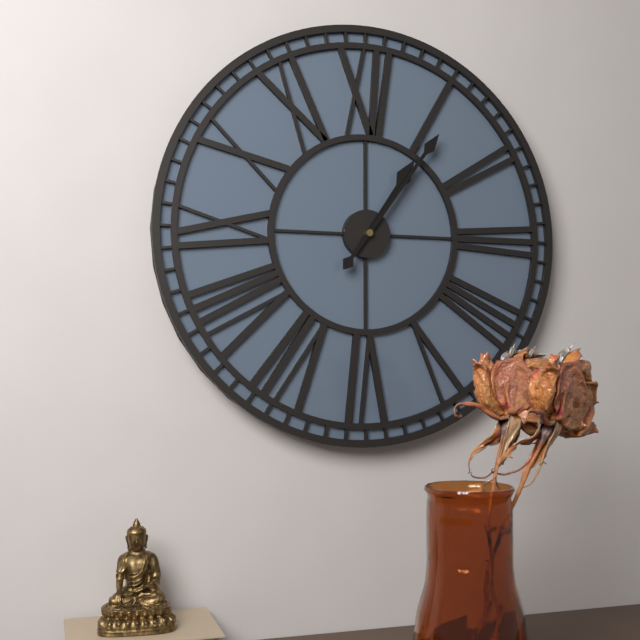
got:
1:06
